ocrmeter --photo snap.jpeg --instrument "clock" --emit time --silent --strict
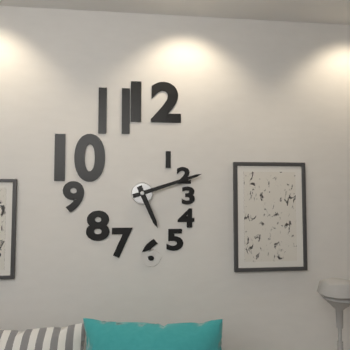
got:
5:12
